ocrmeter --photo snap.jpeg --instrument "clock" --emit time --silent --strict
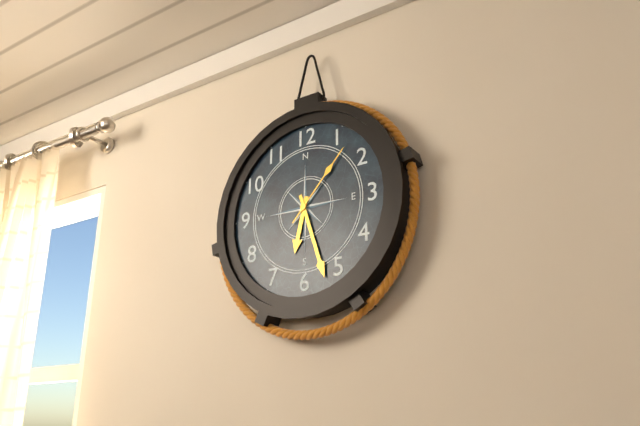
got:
6:27:07
